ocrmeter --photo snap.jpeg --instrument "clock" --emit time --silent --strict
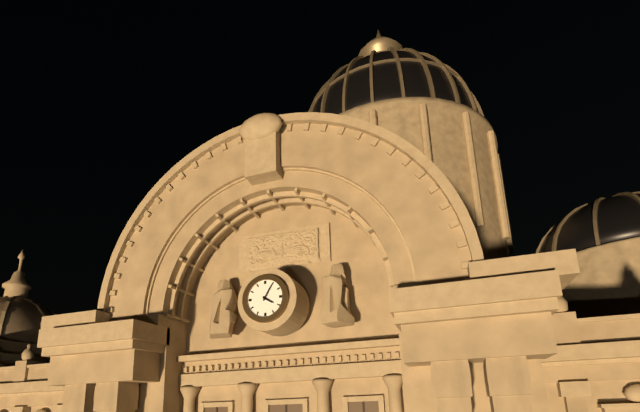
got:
4:05
